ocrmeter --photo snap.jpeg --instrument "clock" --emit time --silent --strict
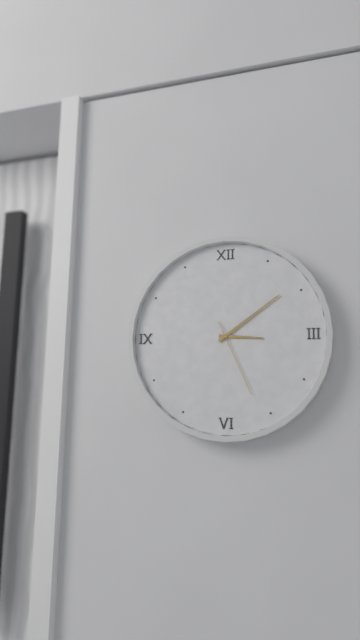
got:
3:09:26
